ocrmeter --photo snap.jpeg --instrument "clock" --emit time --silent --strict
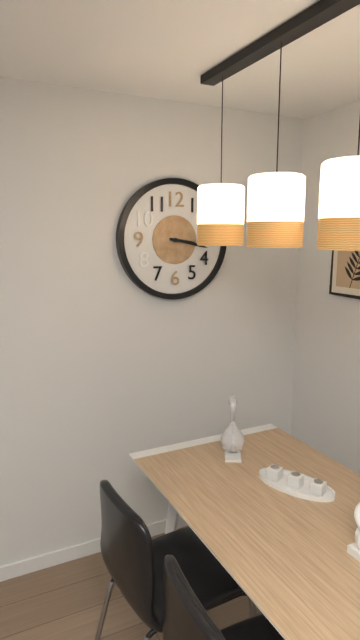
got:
3:17
